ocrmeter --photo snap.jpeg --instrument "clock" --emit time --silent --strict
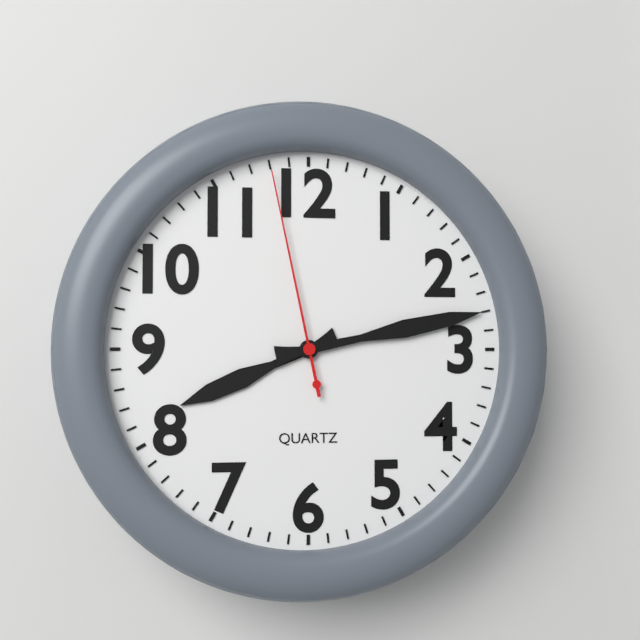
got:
8:13:58
